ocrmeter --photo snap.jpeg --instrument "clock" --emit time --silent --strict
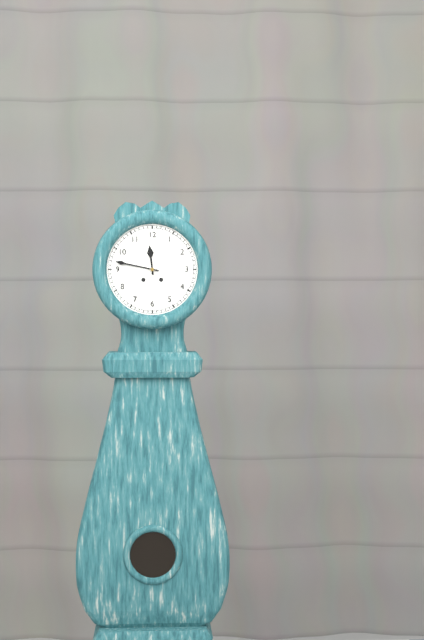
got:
11:47
